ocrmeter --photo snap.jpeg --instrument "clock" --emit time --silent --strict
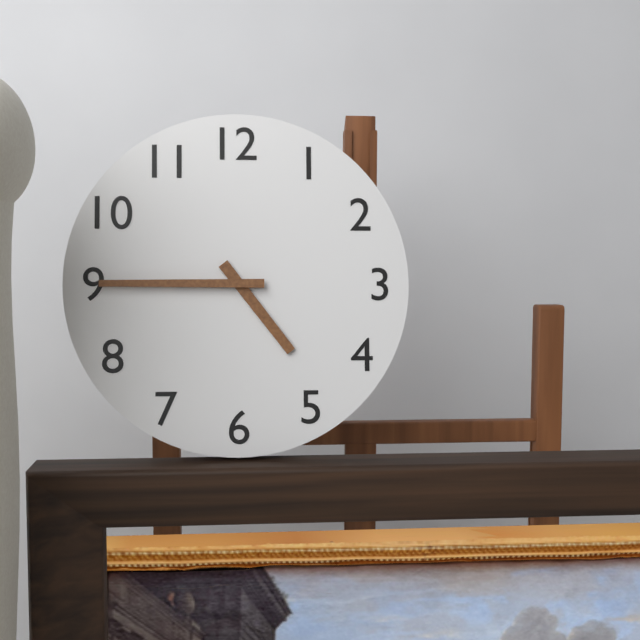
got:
4:45
